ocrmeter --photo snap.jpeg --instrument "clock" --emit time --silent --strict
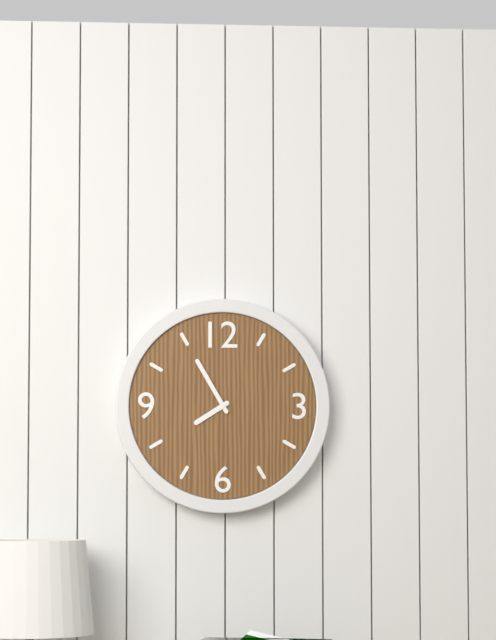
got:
7:55
